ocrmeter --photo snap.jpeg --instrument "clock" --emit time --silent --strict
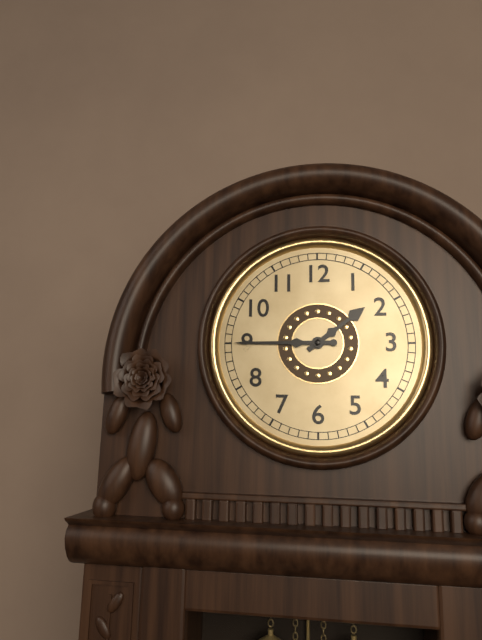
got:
1:45
